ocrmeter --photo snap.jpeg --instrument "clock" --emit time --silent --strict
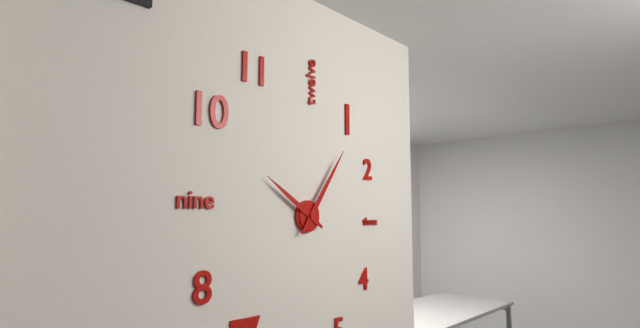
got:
10:06
